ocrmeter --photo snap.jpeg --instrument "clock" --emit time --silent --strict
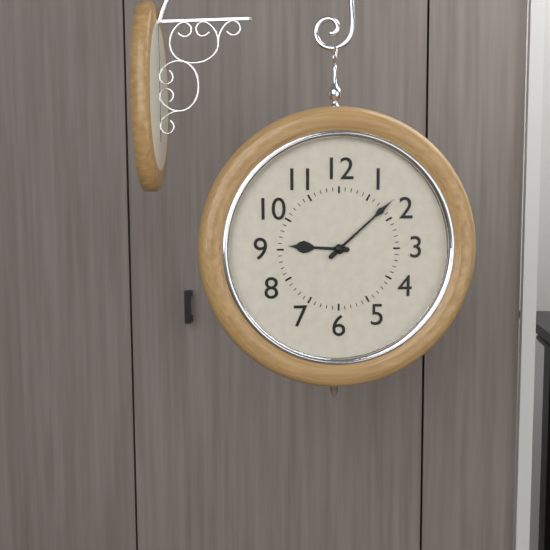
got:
9:08
